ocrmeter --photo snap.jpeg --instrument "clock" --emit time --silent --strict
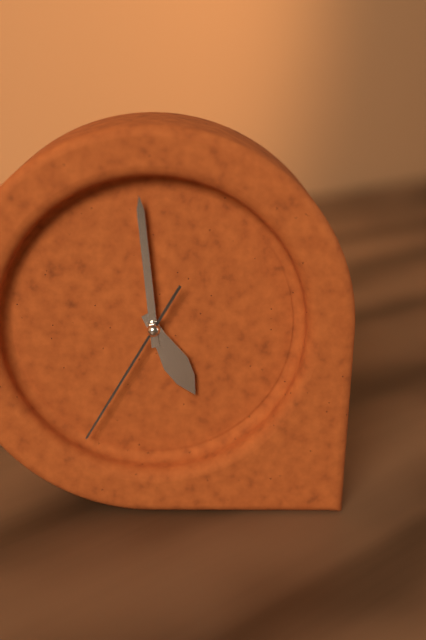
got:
4:59:35
